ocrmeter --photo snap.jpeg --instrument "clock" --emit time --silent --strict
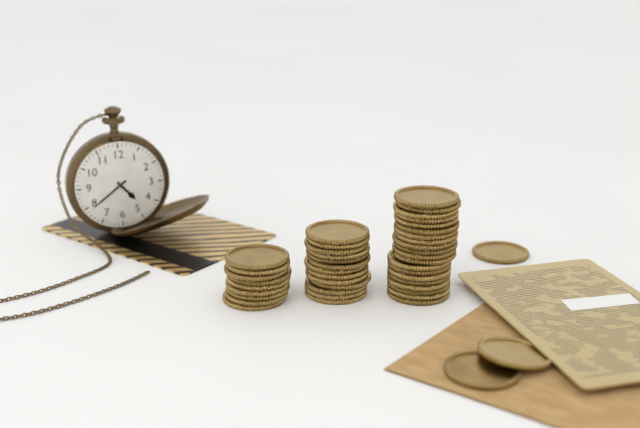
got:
4:39
